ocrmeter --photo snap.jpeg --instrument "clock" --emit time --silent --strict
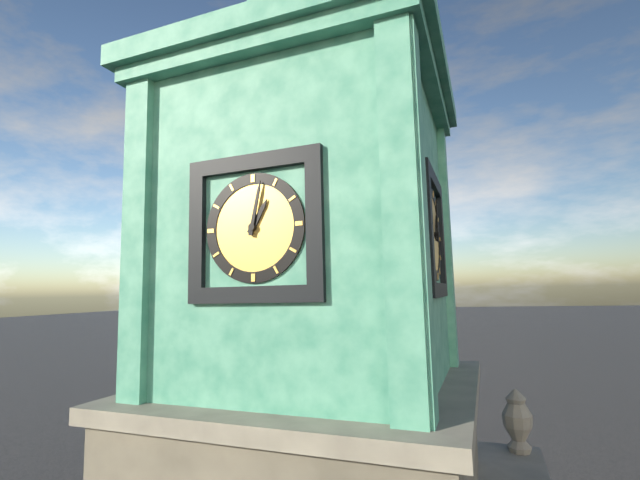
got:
1:02
